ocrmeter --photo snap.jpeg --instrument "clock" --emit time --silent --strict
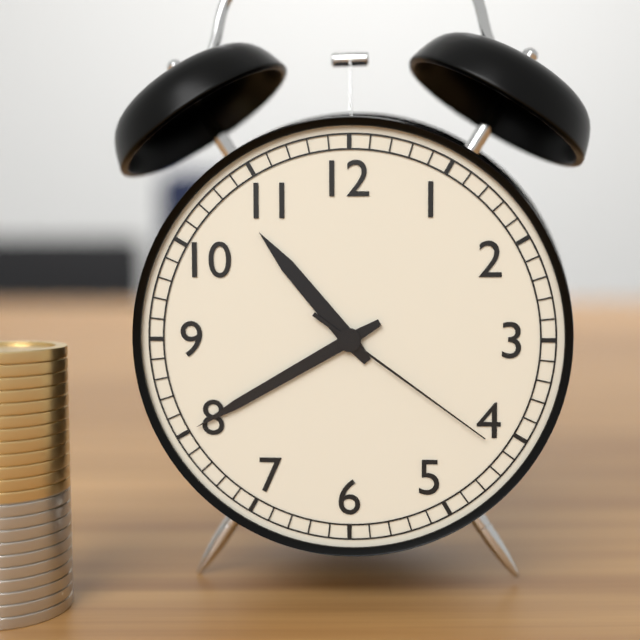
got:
10:40:21
